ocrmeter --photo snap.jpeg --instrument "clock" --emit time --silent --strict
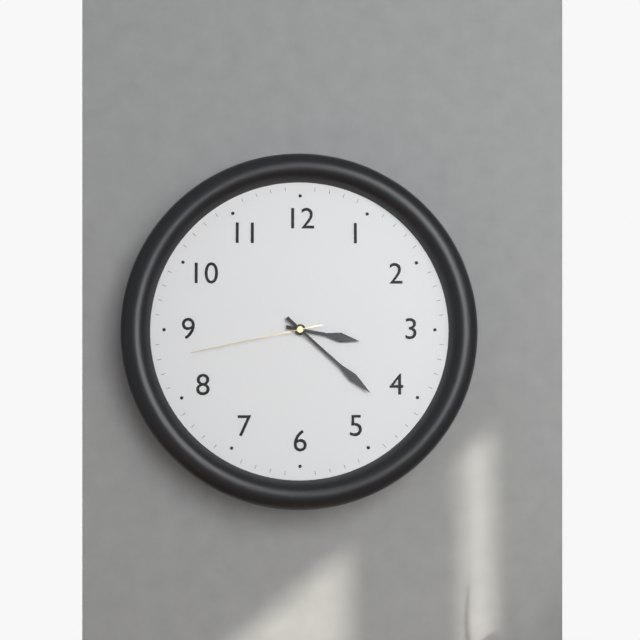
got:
3:22:43
